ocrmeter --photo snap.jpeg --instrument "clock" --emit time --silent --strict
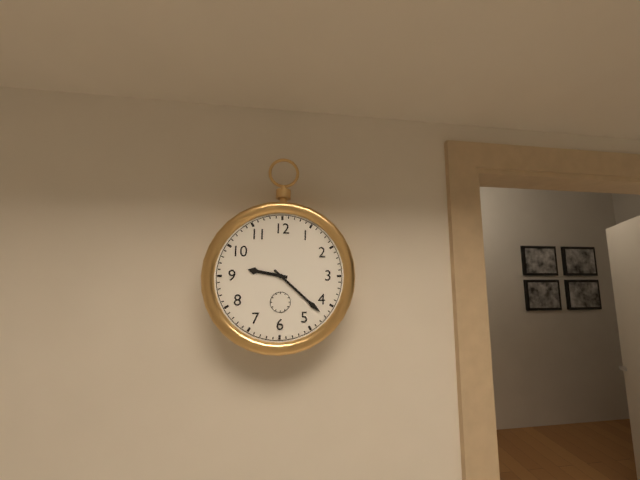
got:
9:22
